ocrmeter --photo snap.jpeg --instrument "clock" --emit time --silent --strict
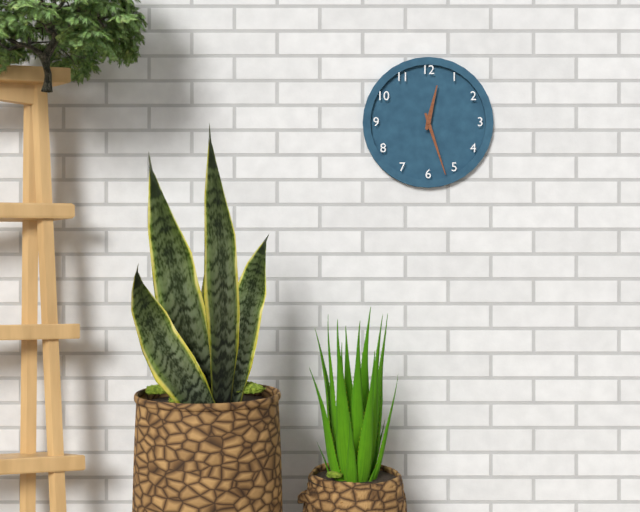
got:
12:27
